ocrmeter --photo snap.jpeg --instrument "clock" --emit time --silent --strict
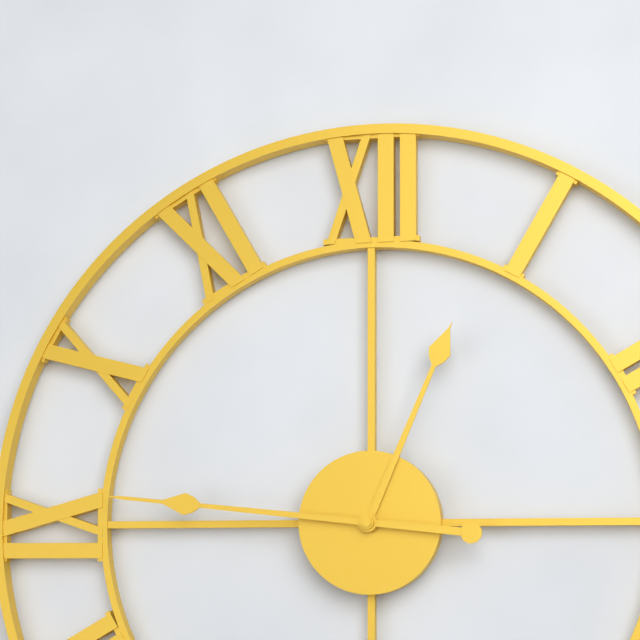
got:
12:46
